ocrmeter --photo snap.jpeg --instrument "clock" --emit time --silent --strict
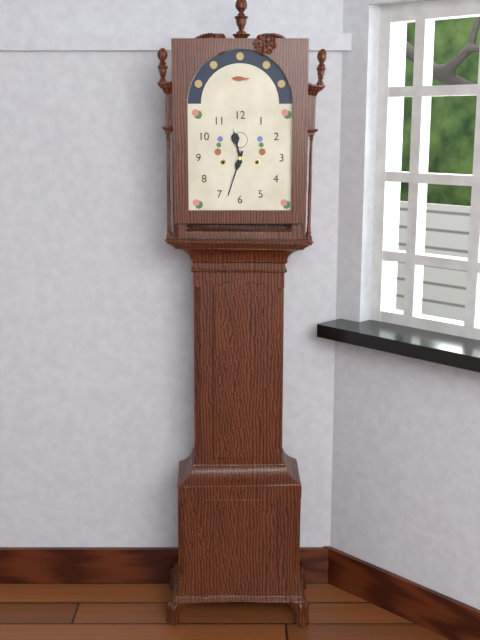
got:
11:33
